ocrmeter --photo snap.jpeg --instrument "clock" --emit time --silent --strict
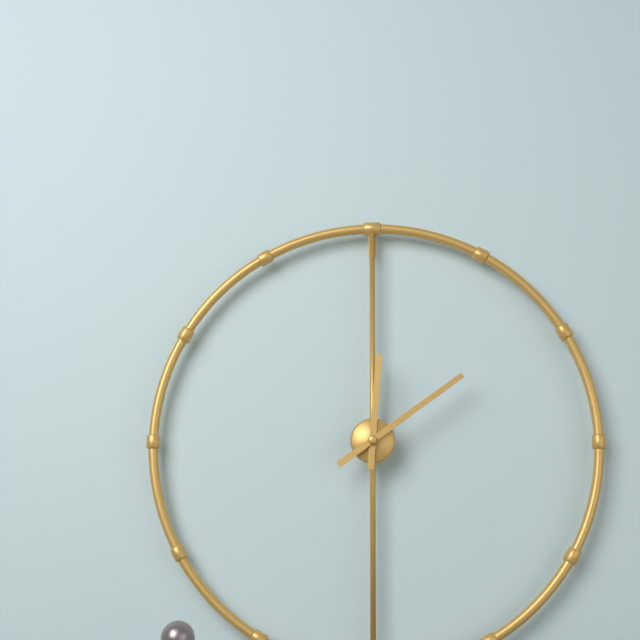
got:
12:09
